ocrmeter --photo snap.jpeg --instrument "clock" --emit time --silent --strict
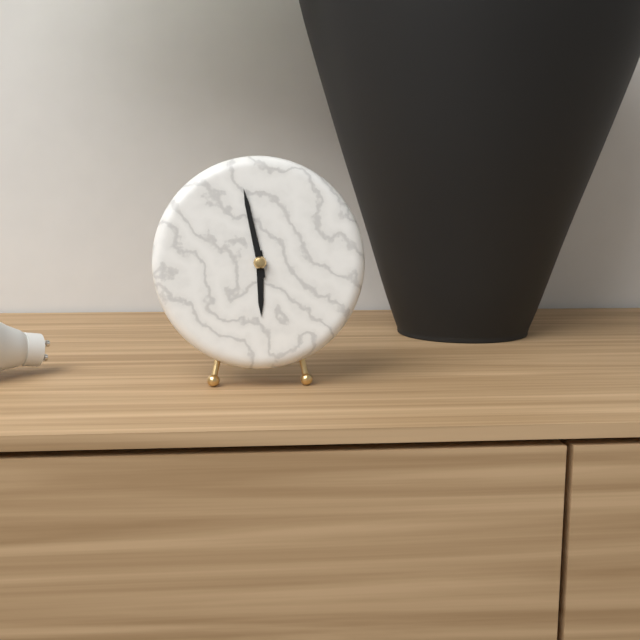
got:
5:58
